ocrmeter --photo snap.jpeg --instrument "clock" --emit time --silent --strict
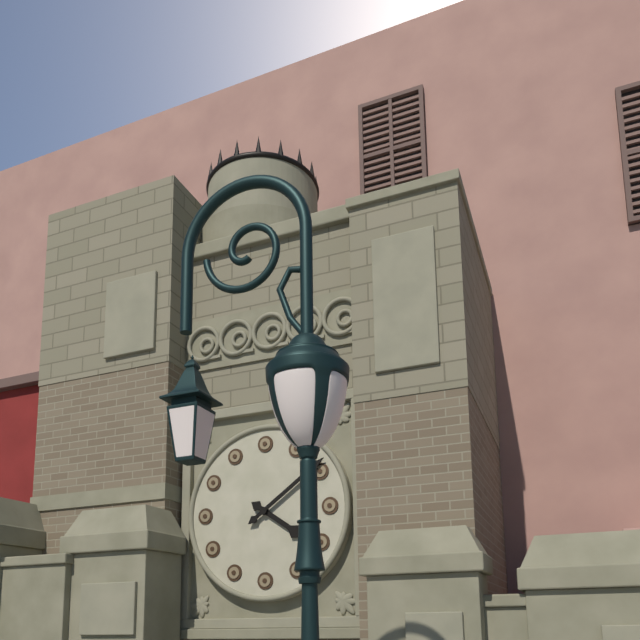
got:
4:09
